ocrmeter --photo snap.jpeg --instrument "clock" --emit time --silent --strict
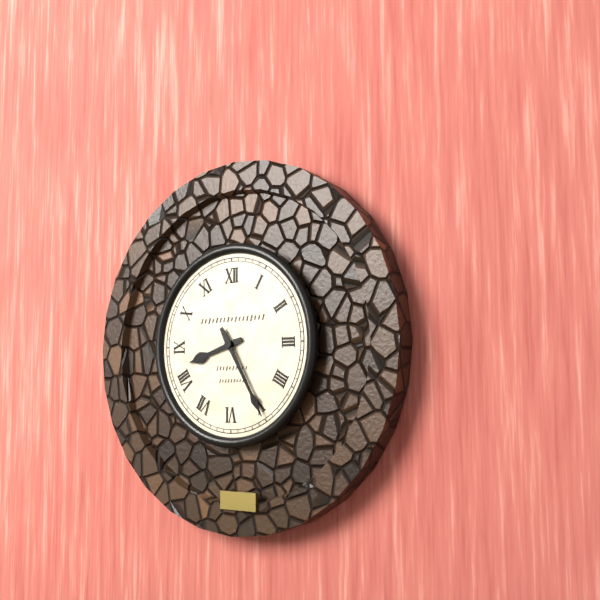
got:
8:25
